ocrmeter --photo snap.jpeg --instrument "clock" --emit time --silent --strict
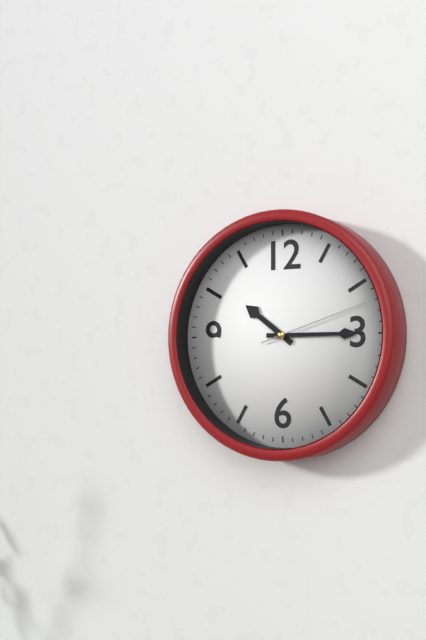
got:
10:15:12
